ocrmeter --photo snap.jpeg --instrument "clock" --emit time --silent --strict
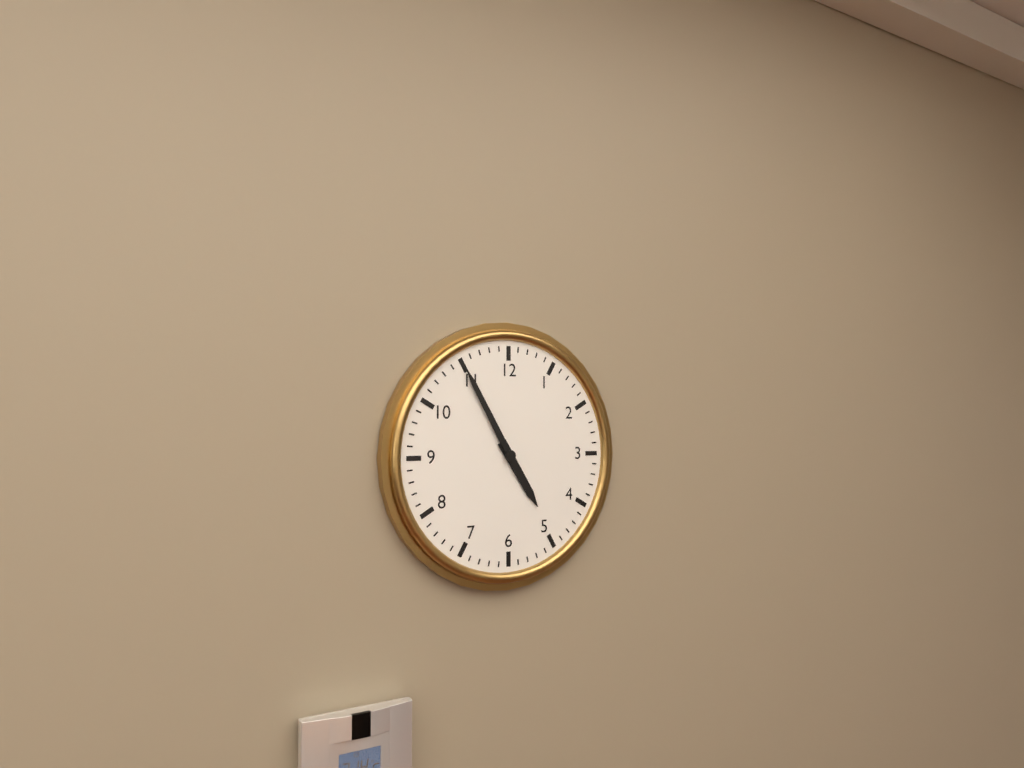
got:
4:55
